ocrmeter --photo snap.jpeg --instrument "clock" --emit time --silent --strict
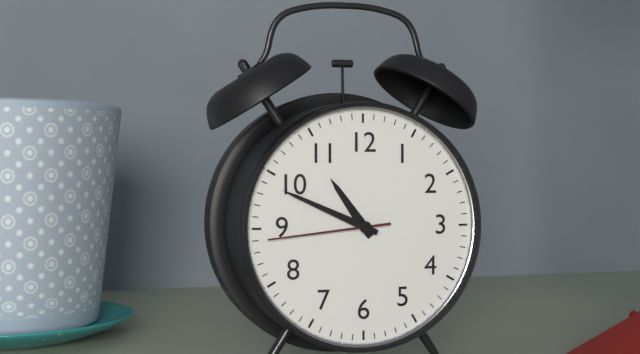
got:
10:49:44
